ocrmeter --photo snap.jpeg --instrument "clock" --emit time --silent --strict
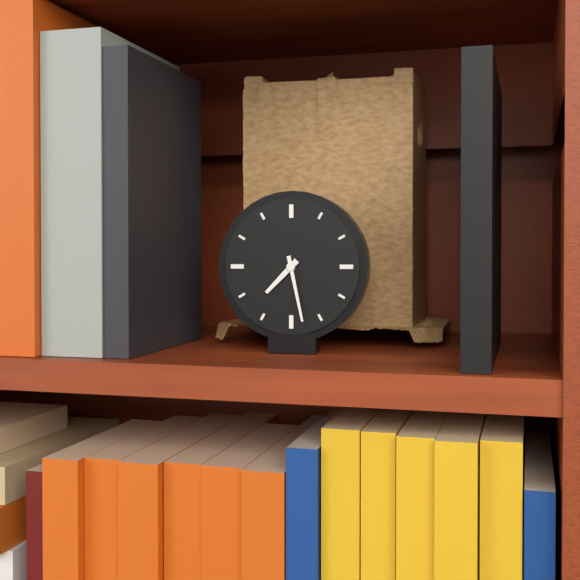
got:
7:28
